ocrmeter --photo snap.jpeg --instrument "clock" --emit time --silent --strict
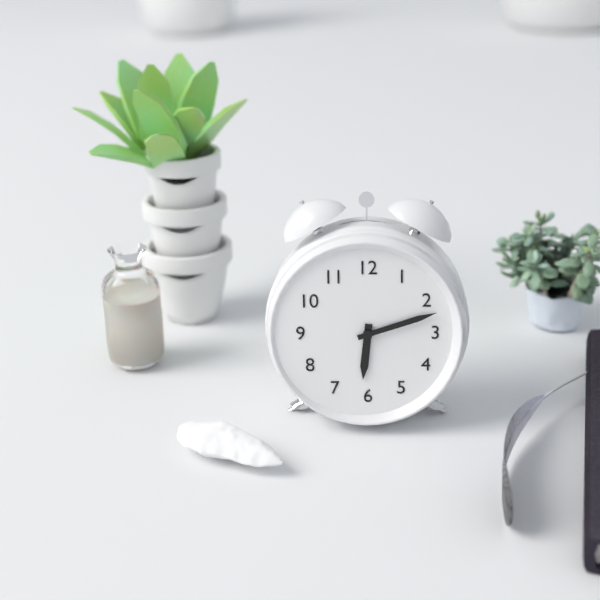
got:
6:12
